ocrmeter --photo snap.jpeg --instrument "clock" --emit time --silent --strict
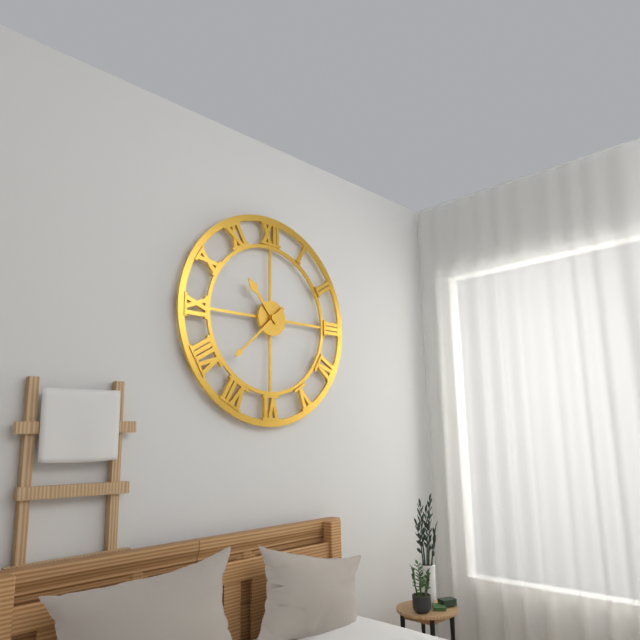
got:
10:38
